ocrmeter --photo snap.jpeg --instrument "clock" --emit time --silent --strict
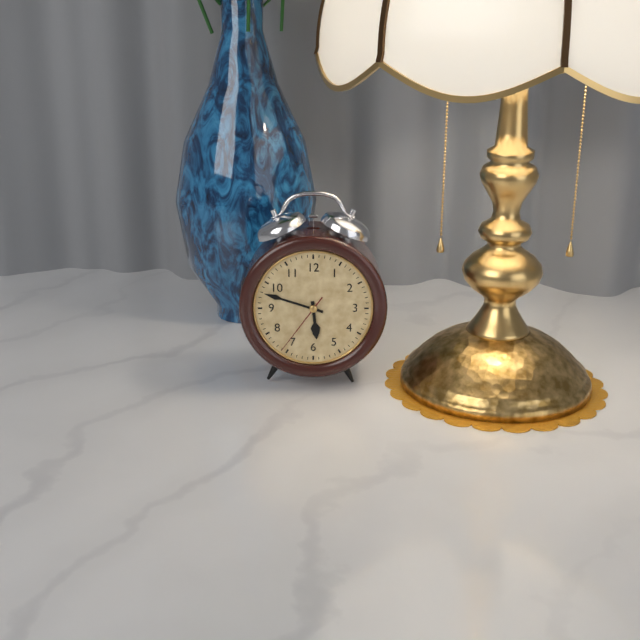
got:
5:48:36
